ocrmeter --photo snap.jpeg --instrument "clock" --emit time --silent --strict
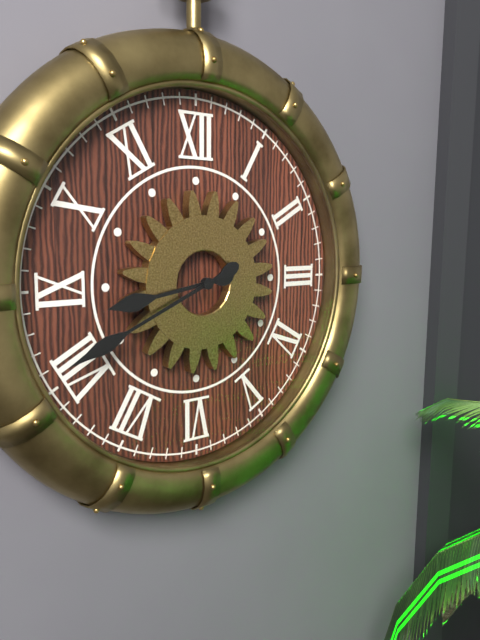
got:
8:41
